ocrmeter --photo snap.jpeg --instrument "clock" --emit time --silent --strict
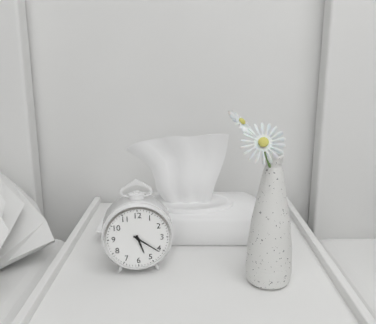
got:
5:21
